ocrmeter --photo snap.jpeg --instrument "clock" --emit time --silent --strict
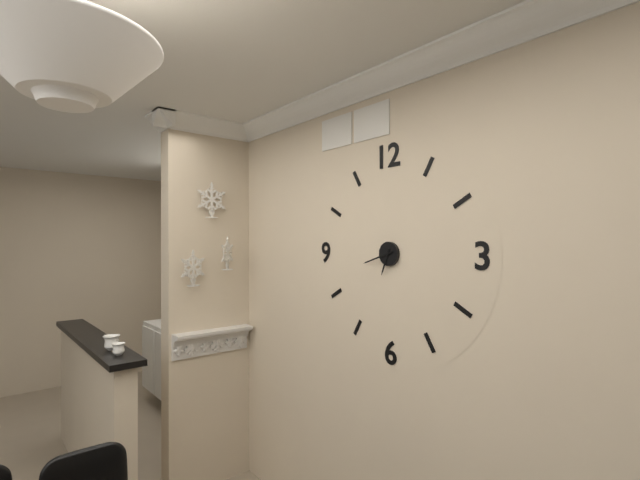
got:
6:42
